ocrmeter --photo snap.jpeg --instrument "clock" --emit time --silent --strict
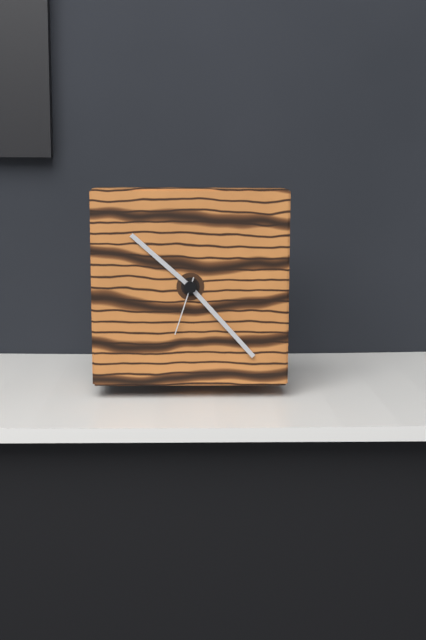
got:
10:23:33
